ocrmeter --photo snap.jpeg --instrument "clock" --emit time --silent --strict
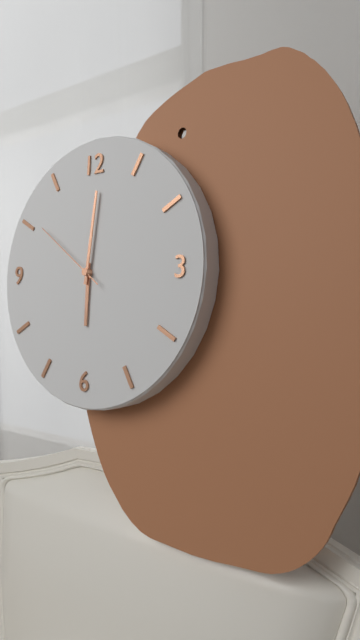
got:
6:01:51
